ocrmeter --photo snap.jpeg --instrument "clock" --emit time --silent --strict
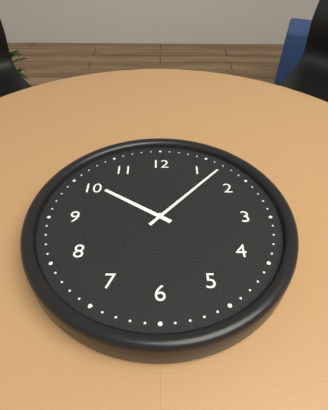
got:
10:07
